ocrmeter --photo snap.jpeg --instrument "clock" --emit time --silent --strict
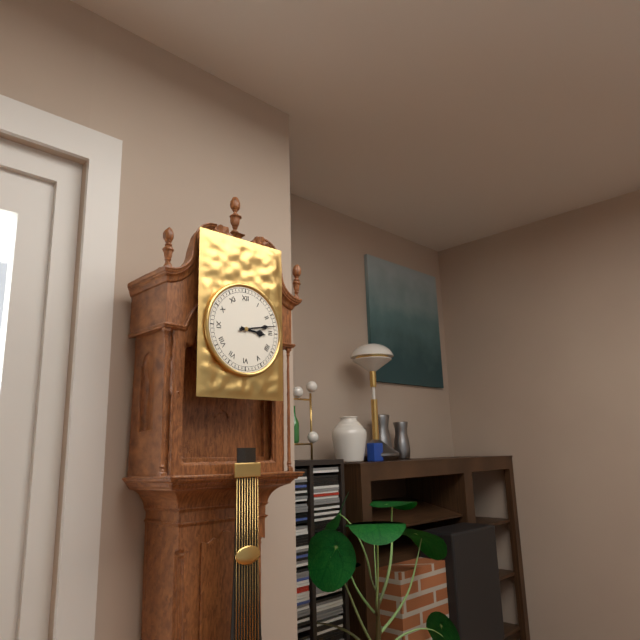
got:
3:13
